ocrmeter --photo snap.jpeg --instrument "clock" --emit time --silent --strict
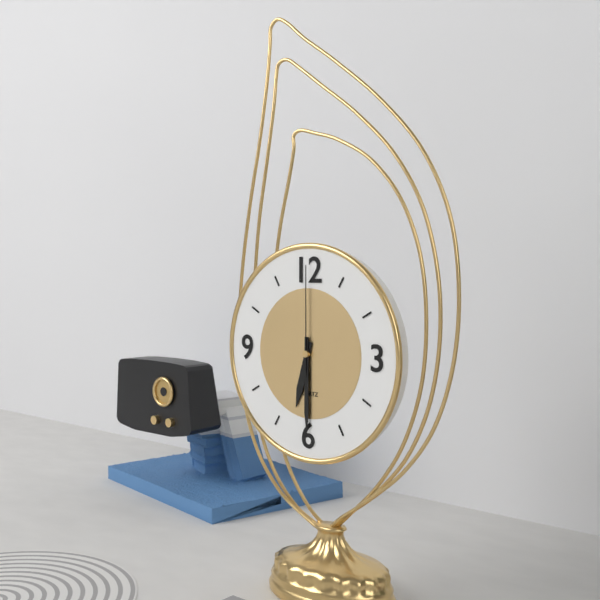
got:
6:30:00
